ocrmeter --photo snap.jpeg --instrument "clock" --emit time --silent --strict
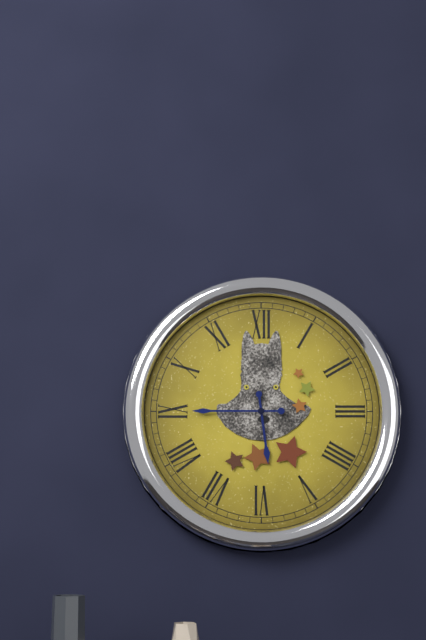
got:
5:45
